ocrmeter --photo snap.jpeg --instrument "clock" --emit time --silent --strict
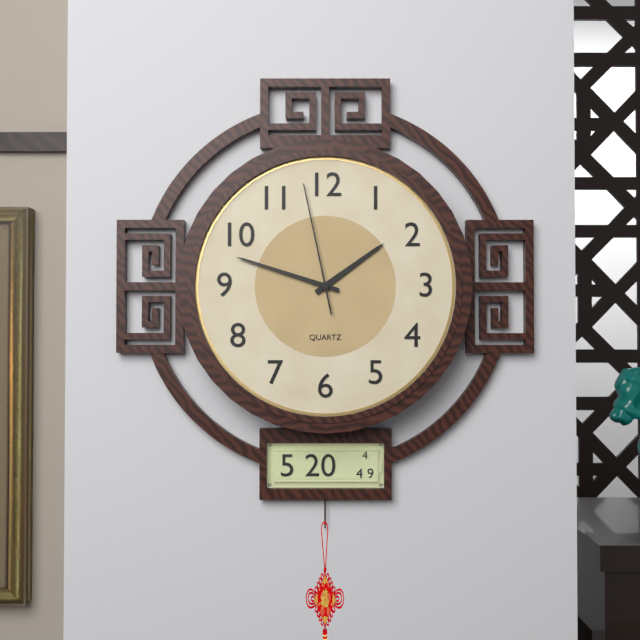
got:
1:48:58
